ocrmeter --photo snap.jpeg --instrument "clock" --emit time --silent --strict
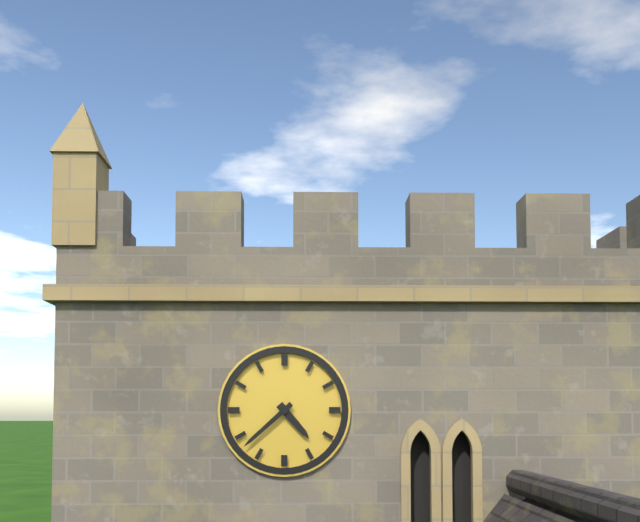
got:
4:38
